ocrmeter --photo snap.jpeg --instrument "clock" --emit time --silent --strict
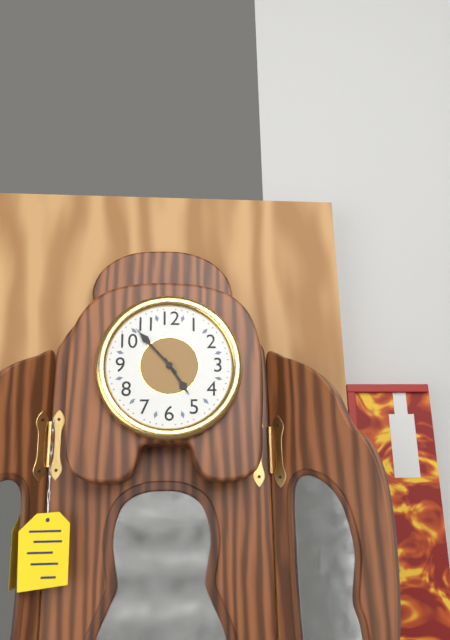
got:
4:53
